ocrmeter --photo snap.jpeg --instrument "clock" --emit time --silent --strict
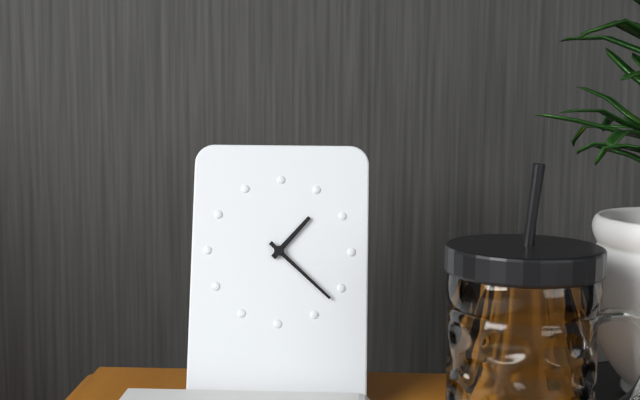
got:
1:22
